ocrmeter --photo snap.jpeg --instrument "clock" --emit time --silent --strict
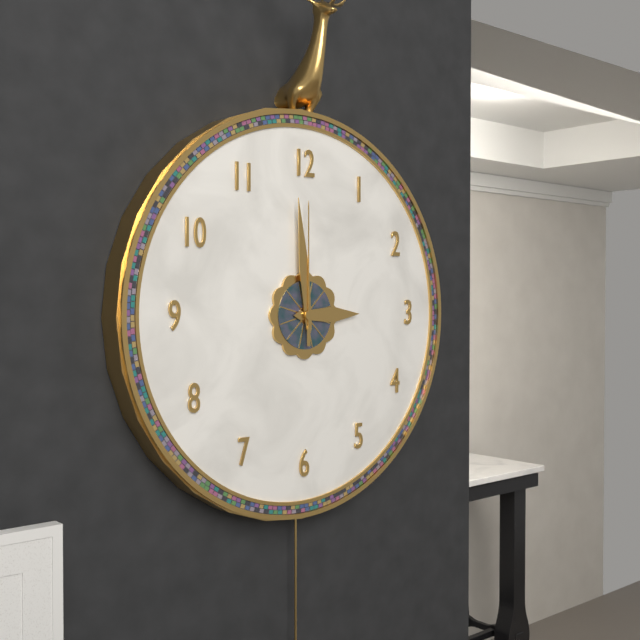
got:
2:59:00
